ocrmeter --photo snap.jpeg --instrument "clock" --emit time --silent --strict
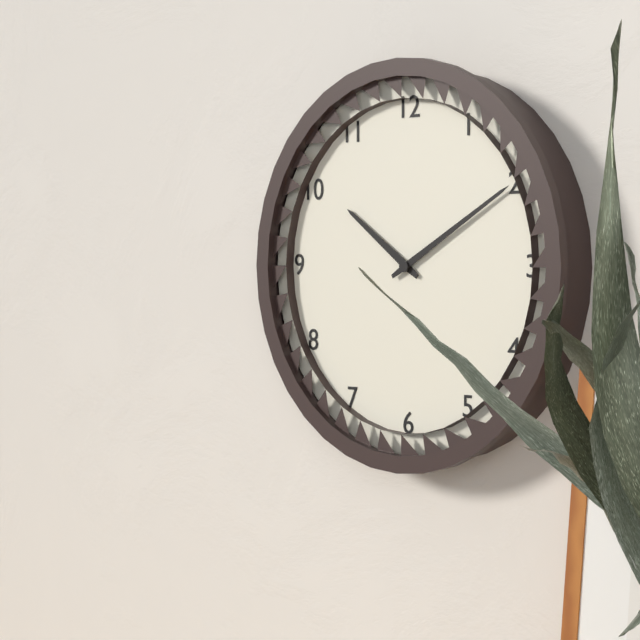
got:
10:10
